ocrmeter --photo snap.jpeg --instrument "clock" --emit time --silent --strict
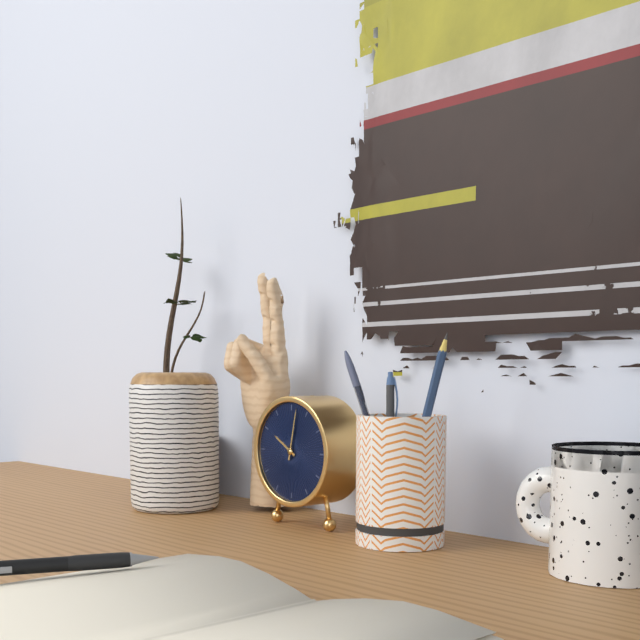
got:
10:02
